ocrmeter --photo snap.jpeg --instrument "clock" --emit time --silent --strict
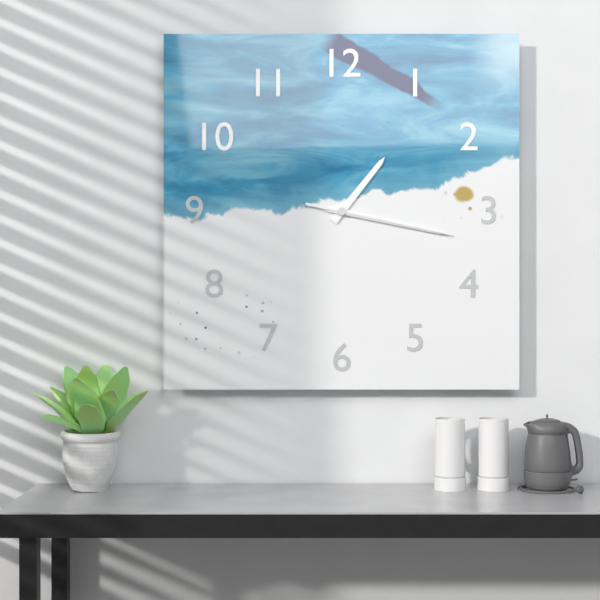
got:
1:17:17
